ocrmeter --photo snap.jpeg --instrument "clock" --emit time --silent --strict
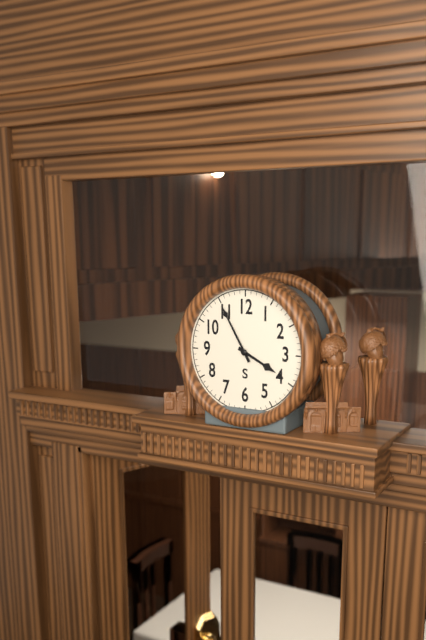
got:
3:55
